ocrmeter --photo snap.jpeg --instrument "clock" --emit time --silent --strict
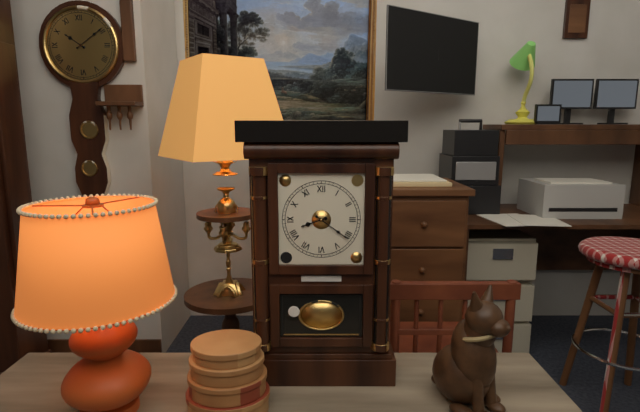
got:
8:21
